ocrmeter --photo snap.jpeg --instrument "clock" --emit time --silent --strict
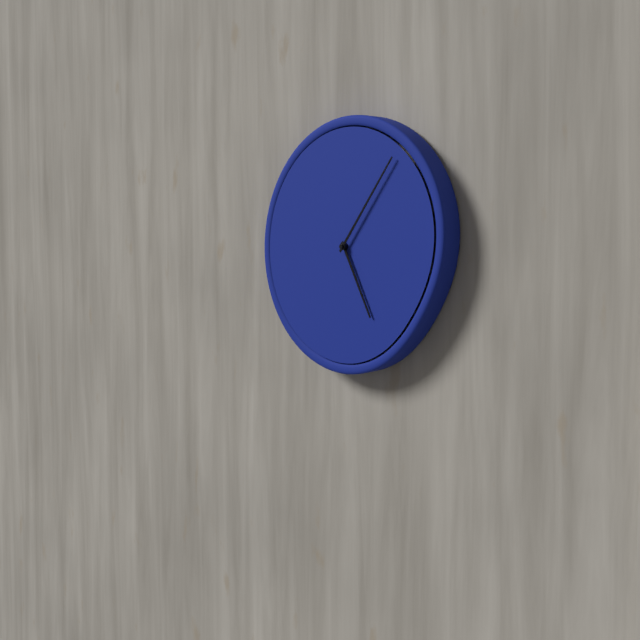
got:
5:06
